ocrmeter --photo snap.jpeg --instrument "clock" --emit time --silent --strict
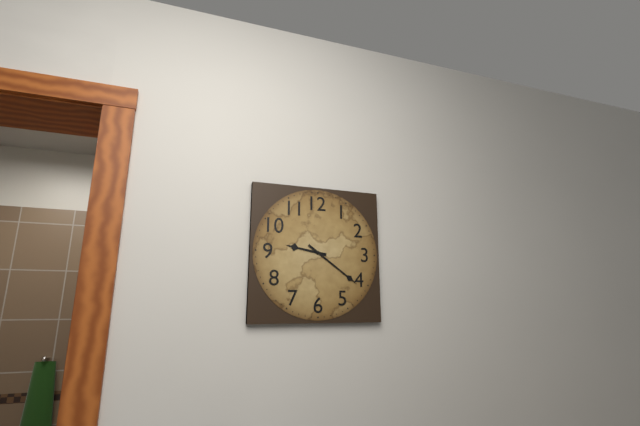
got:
9:21
